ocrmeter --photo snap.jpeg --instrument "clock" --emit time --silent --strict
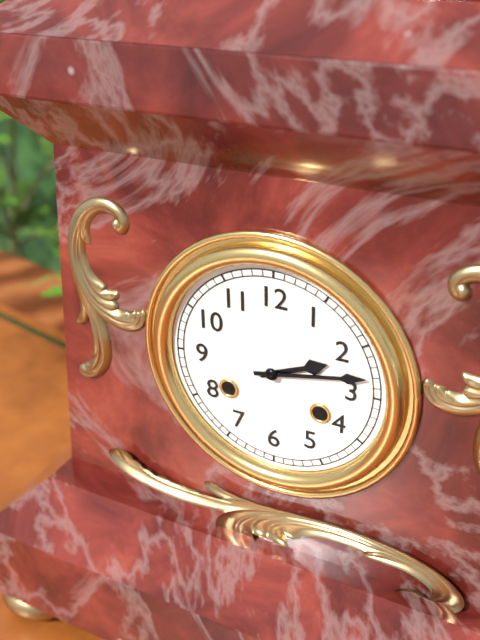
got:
2:13
